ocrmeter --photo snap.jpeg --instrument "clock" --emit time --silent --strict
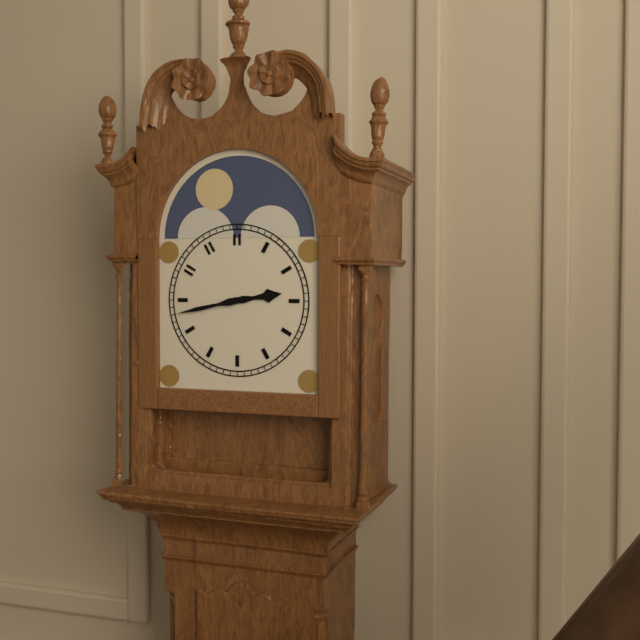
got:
2:43
